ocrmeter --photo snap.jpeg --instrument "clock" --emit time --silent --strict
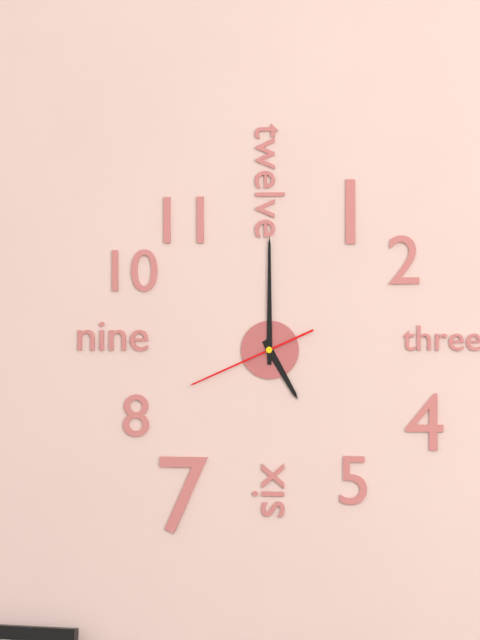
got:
5:00:41
